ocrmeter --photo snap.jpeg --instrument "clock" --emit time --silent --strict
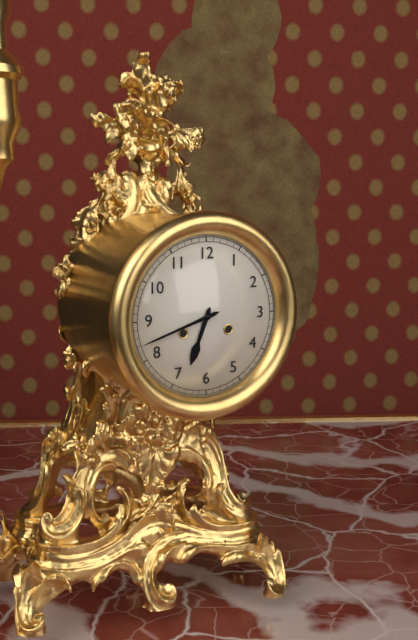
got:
6:42
